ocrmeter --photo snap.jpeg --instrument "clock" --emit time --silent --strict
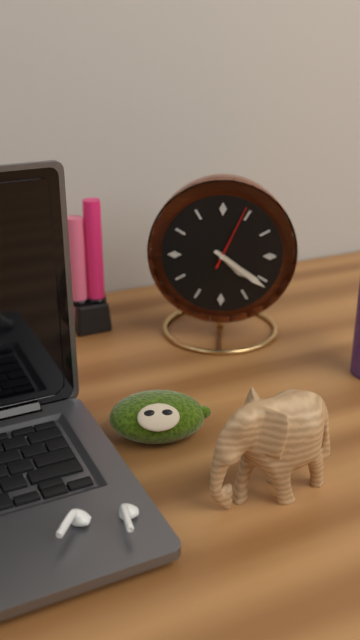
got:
4:21:04
